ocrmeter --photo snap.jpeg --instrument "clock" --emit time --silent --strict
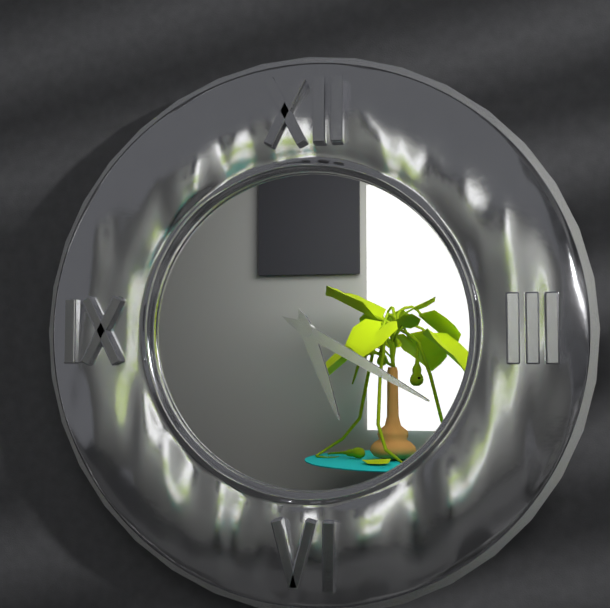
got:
5:20
